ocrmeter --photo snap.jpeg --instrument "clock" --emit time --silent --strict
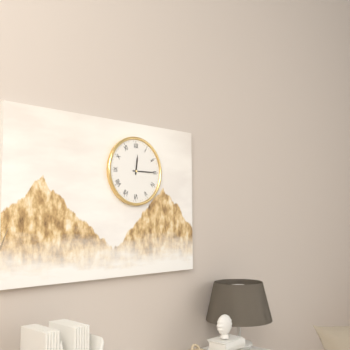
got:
12:15
